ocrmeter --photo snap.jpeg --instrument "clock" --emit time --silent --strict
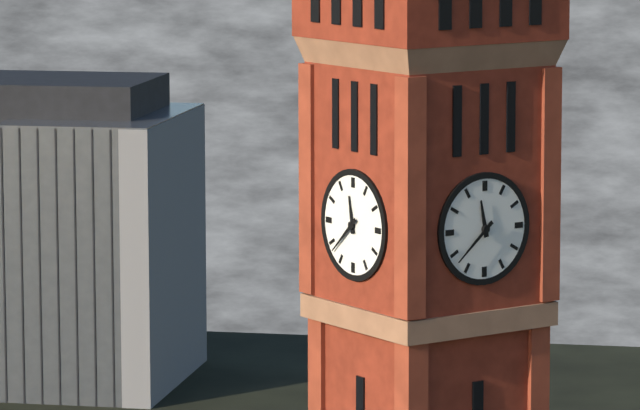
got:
11:38
